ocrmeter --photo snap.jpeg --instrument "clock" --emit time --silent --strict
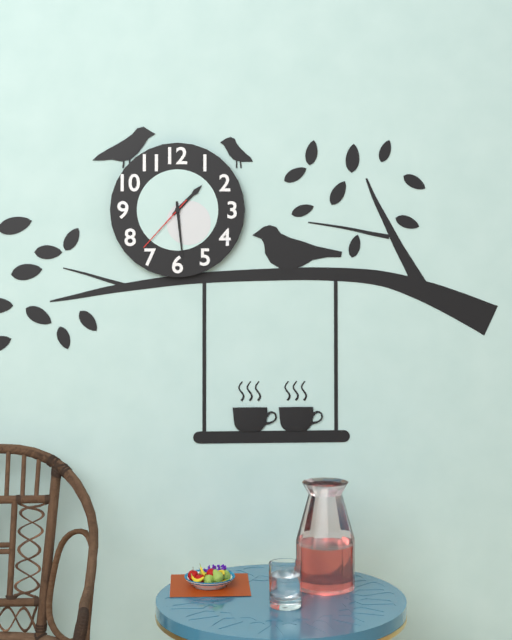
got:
1:29:37
